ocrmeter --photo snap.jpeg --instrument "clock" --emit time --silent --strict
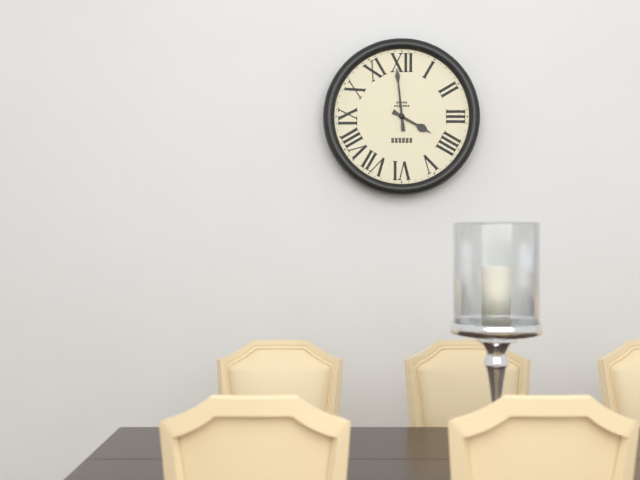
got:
3:59
